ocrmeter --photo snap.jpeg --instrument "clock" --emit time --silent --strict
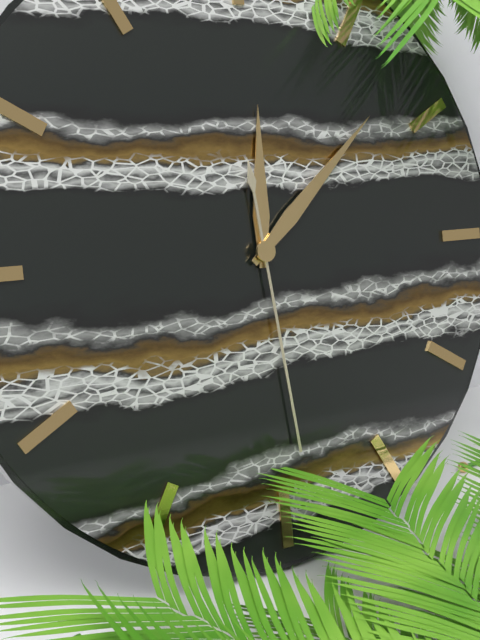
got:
12:08:29
